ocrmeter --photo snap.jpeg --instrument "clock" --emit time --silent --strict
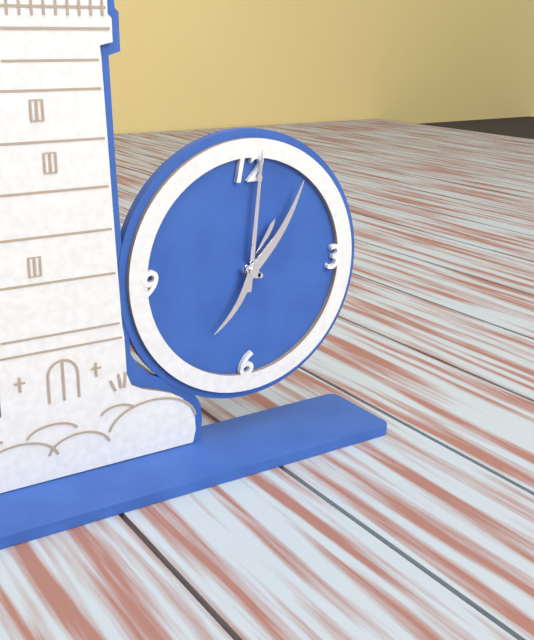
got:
1:01:06
